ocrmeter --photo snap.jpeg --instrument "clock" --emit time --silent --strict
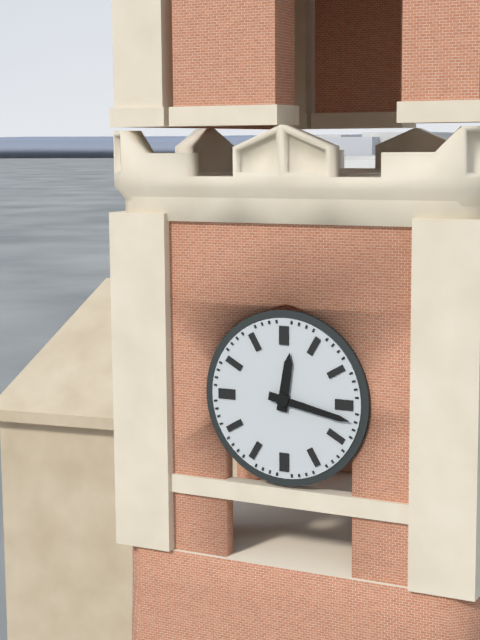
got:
12:17
